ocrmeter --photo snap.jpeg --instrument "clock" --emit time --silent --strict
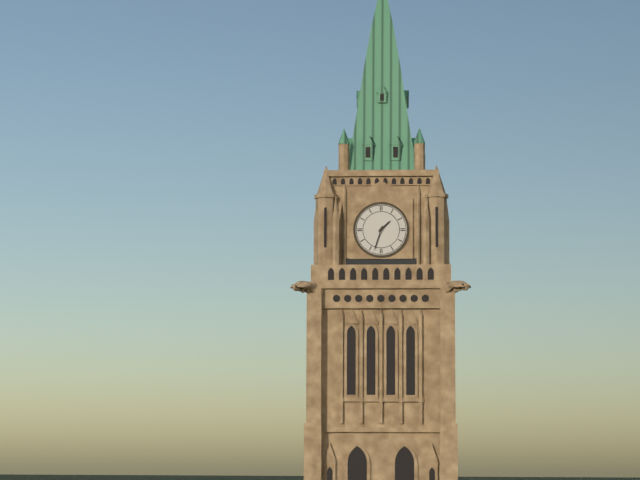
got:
1:33
